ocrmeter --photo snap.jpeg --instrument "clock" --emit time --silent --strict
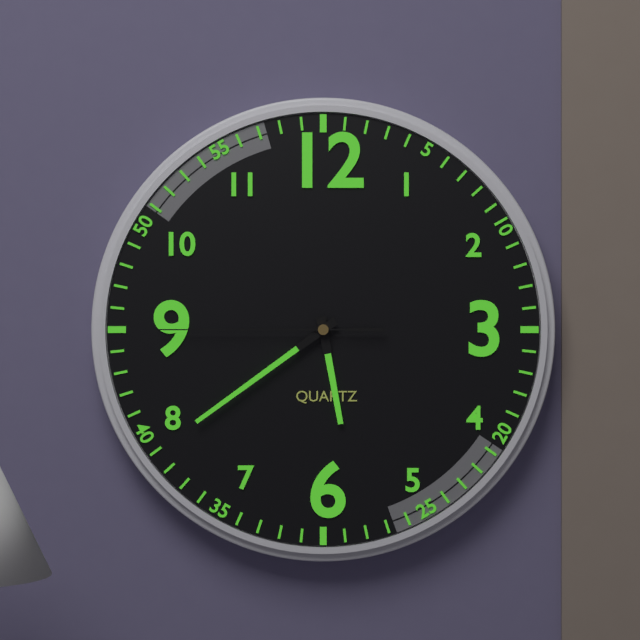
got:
5:39:45
